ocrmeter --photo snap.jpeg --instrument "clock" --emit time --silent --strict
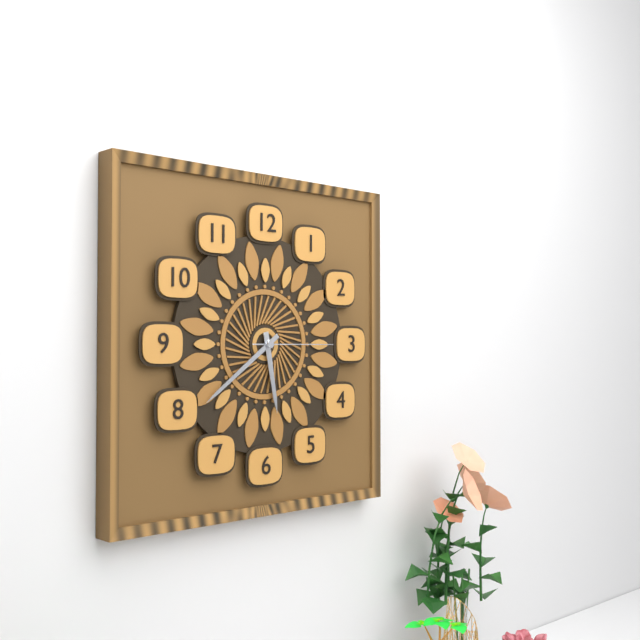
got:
5:39:15
